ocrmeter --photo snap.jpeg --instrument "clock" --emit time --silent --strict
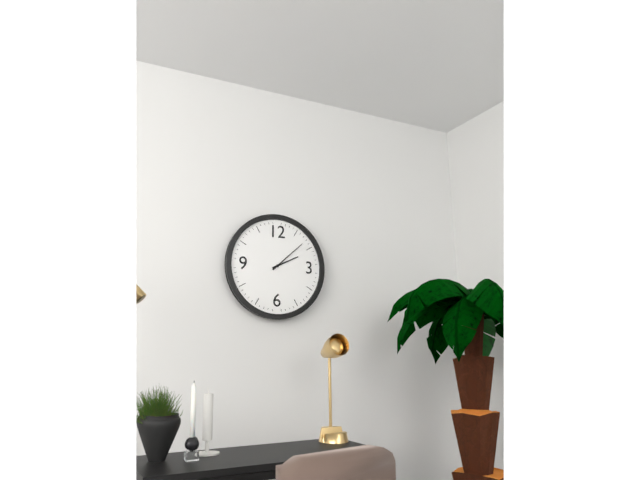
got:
2:08
